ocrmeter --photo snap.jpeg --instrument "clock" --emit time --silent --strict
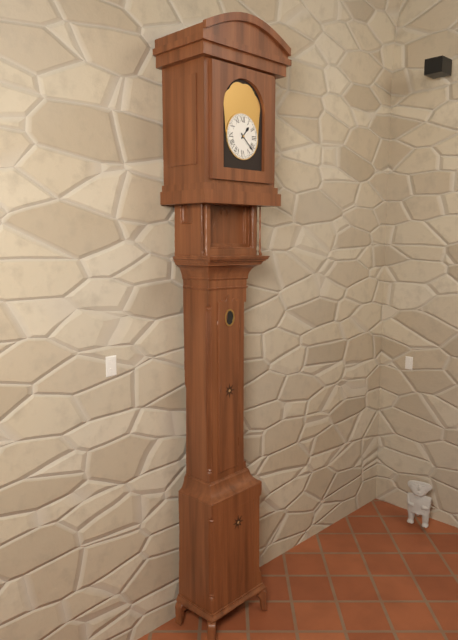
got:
1:22
